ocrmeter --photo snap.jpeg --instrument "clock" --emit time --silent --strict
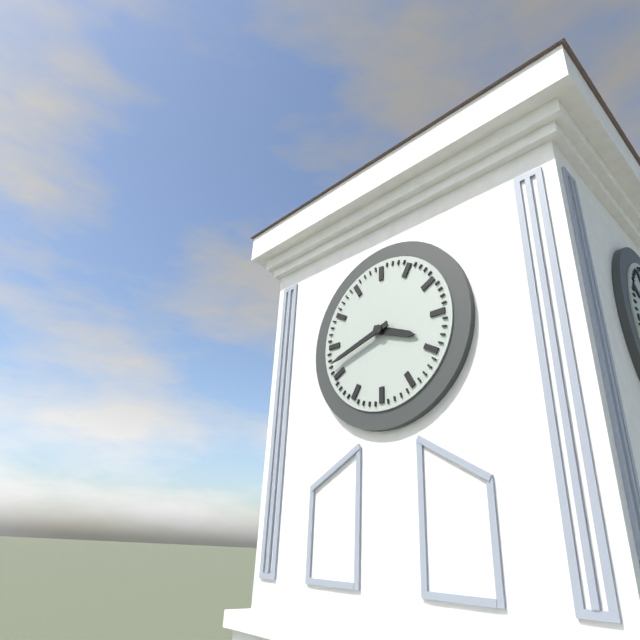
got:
3:42
